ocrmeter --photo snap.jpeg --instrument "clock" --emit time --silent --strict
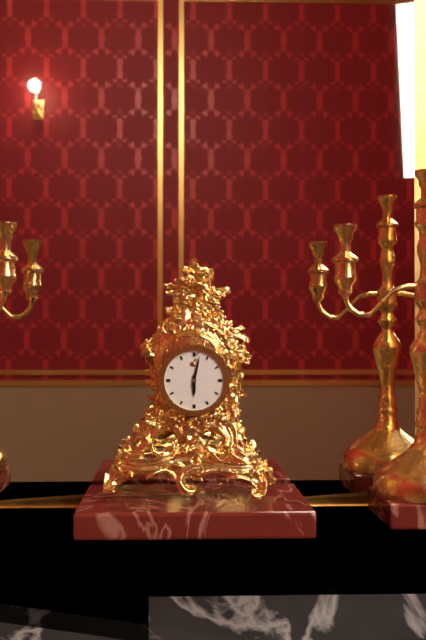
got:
6:02
